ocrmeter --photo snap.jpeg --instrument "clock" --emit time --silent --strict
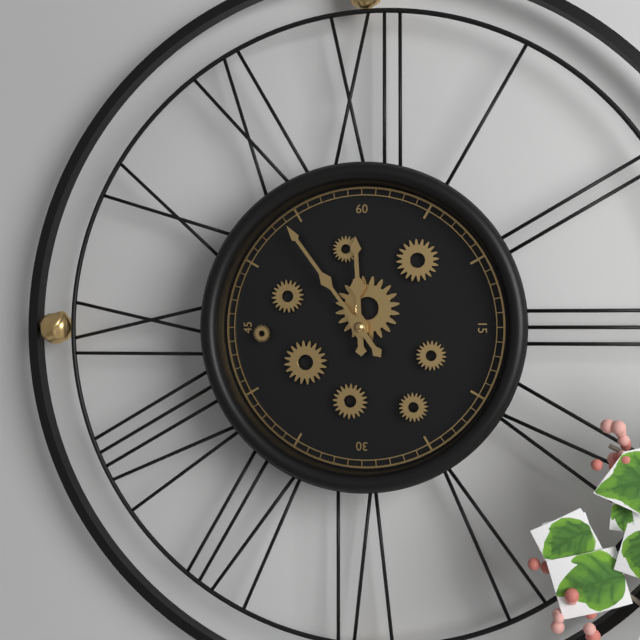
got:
11:54
